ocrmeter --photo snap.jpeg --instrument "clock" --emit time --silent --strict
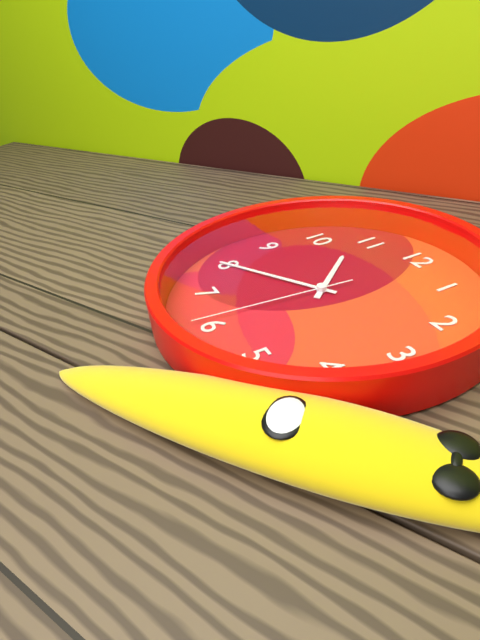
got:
10:40:31
